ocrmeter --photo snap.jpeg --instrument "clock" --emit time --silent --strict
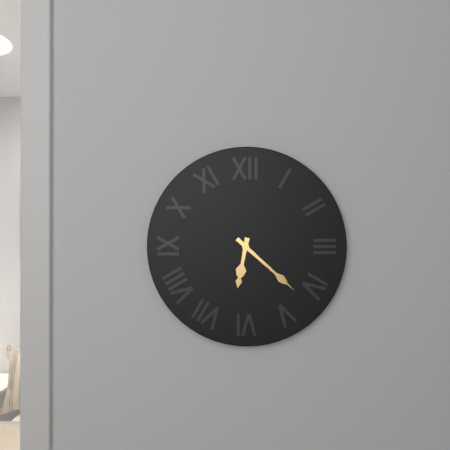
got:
6:22
